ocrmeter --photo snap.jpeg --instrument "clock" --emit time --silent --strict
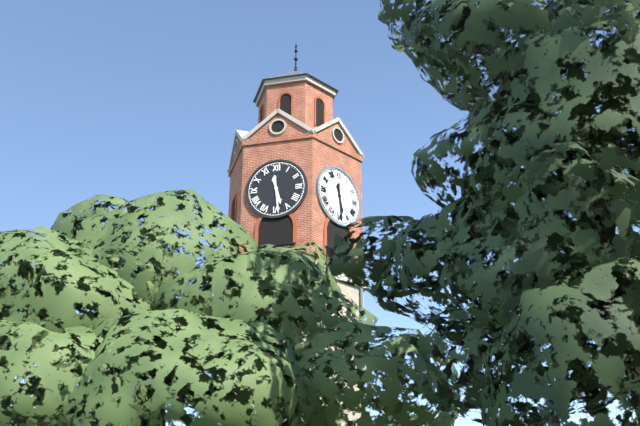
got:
5:29
